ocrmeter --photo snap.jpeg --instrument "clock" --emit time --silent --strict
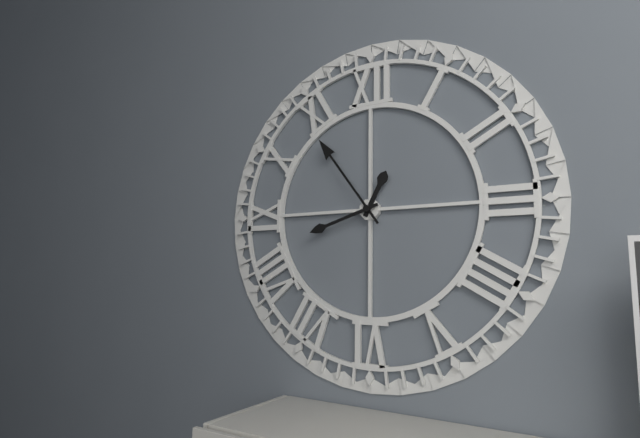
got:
12:54:42
